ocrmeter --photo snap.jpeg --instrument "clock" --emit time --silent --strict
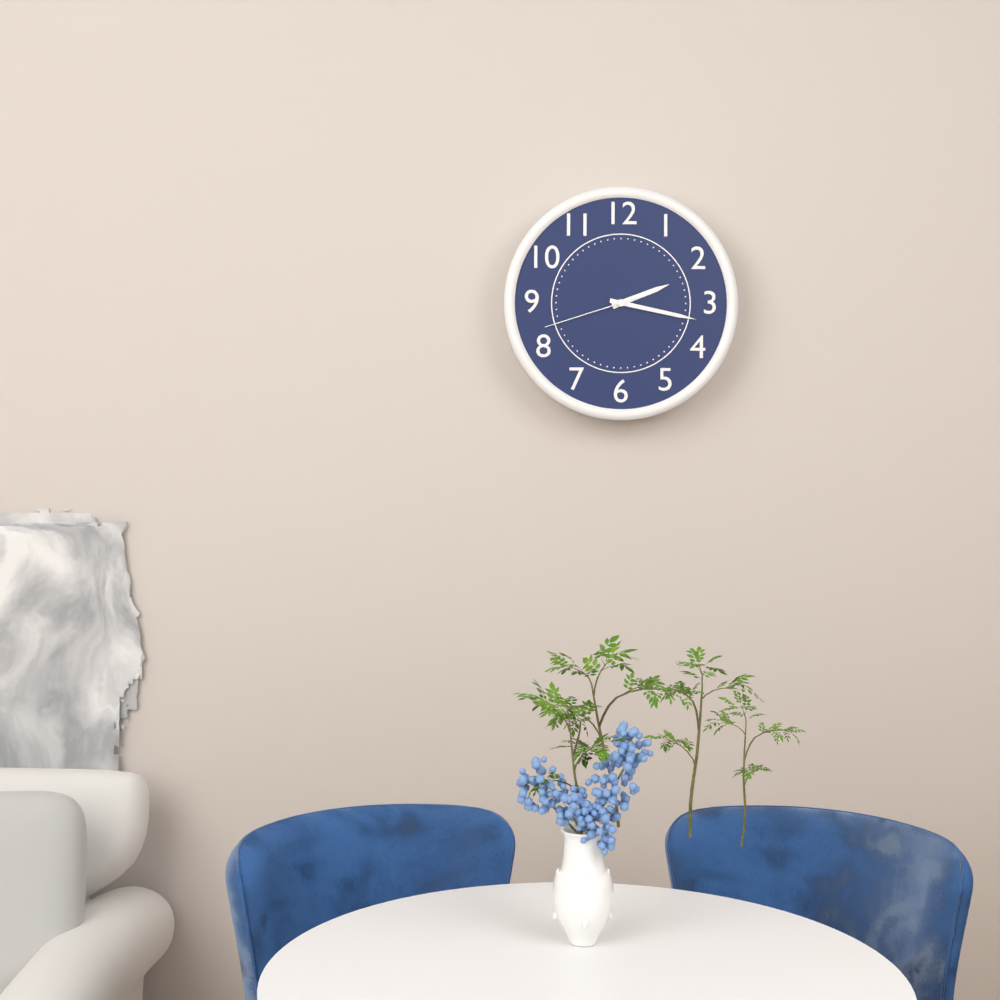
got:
2:17:42
